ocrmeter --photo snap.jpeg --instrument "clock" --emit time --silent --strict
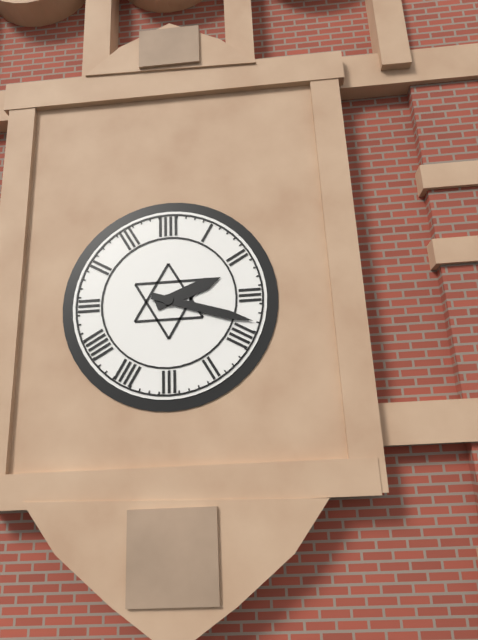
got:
2:18
